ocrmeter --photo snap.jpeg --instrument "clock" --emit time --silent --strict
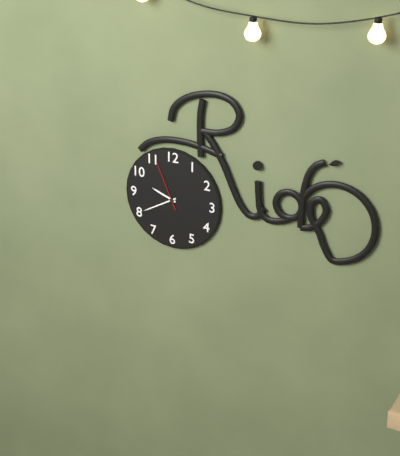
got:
9:40:56
